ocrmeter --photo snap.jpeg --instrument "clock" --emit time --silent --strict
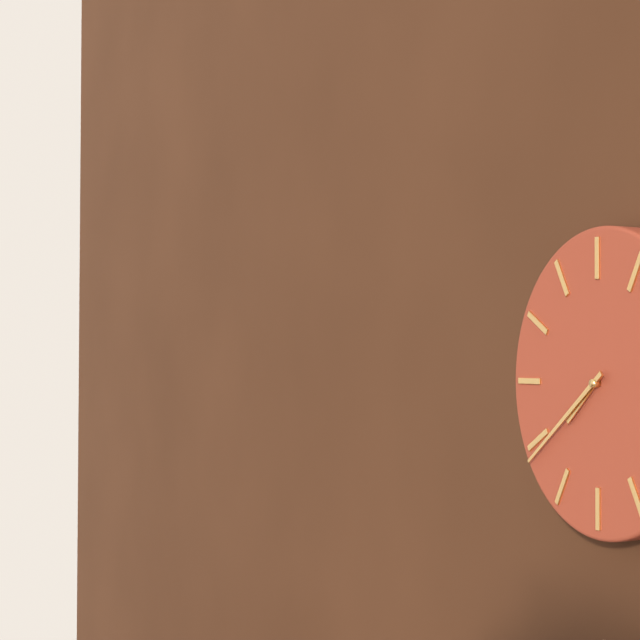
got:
7:39
